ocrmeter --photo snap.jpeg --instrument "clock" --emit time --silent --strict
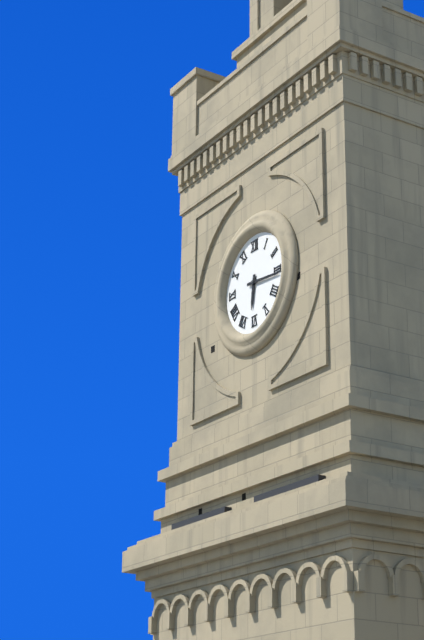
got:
6:16
